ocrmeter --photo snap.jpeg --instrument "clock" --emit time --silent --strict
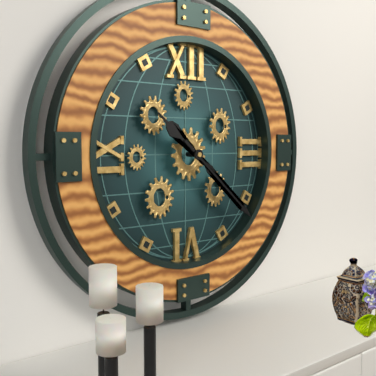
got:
10:22
